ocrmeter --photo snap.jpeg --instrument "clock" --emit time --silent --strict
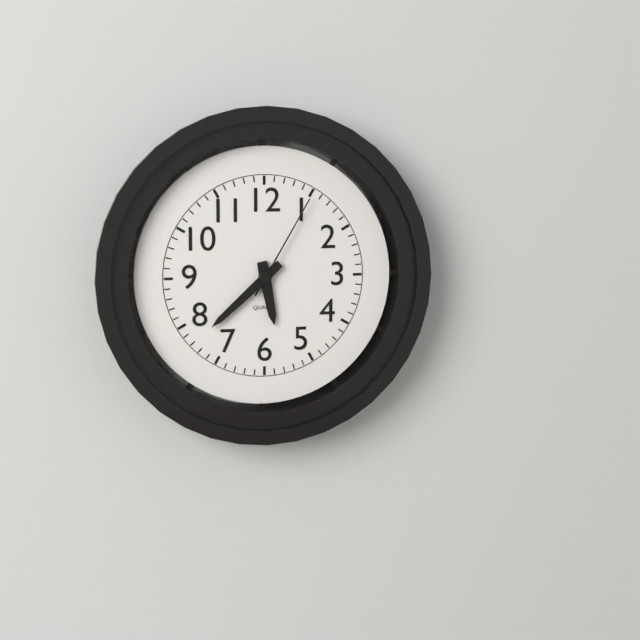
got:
5:38:05
